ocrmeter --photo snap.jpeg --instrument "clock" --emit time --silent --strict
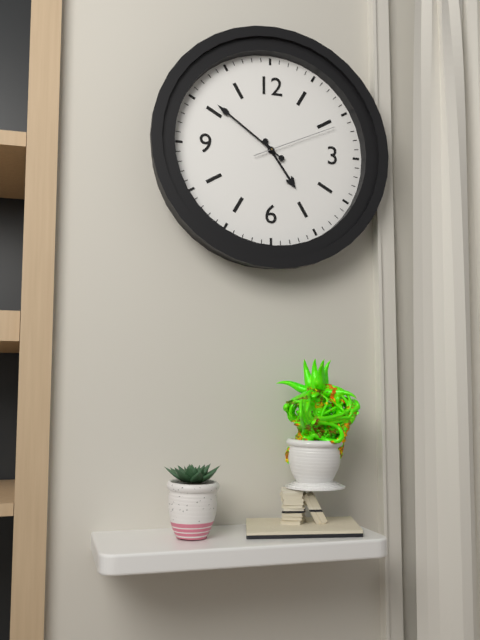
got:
4:51:11
